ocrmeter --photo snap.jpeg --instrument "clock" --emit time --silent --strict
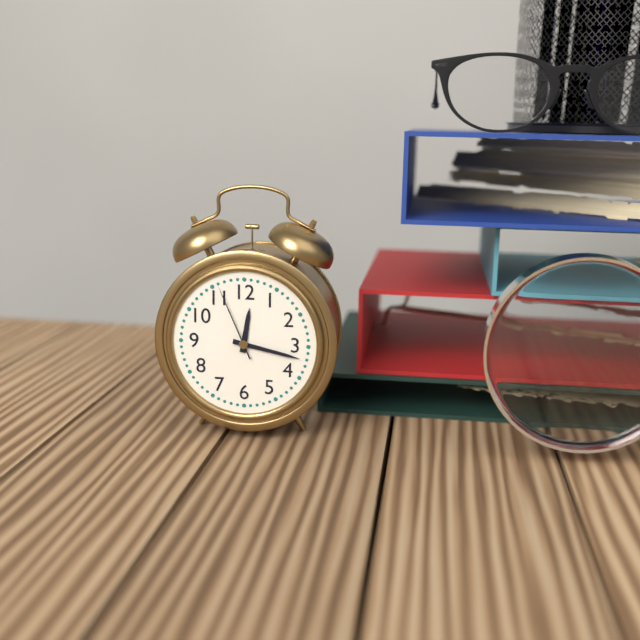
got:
12:17:56
